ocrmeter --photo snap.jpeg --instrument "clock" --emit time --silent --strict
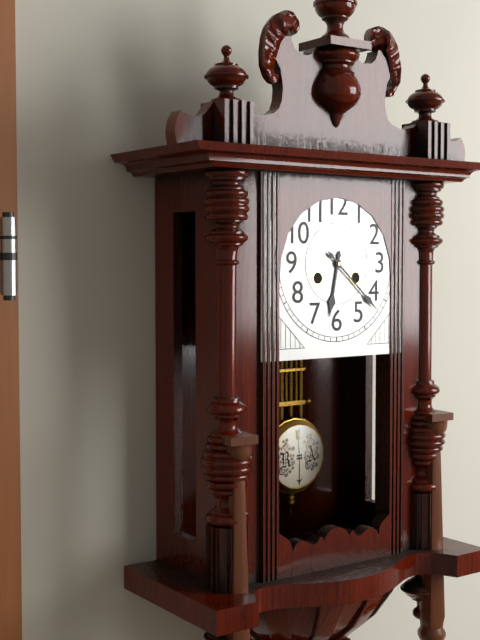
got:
6:22
